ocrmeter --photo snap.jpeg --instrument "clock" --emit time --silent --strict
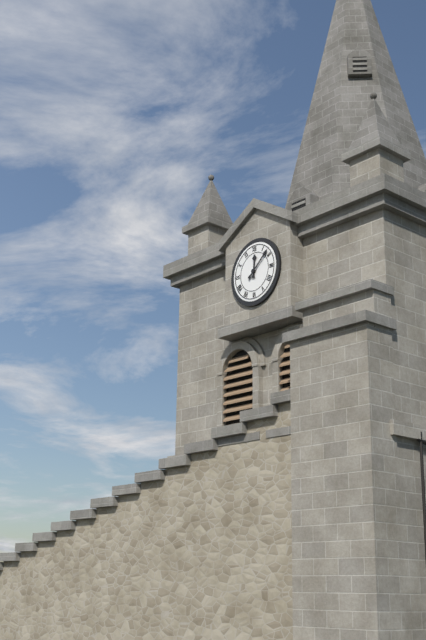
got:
12:08
